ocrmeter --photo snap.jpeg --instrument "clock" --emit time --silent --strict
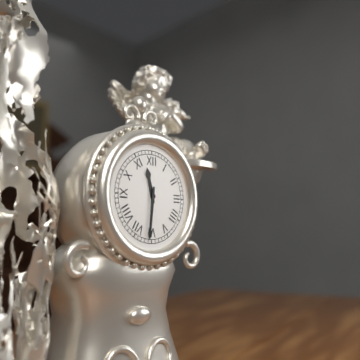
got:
11:31
